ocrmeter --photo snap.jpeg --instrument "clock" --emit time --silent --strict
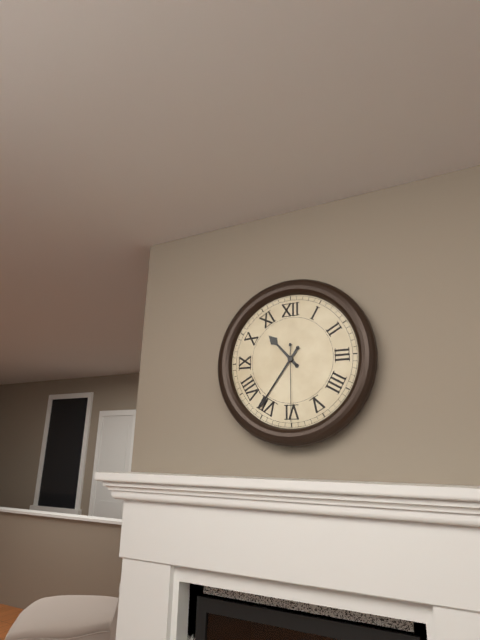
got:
10:36:30
